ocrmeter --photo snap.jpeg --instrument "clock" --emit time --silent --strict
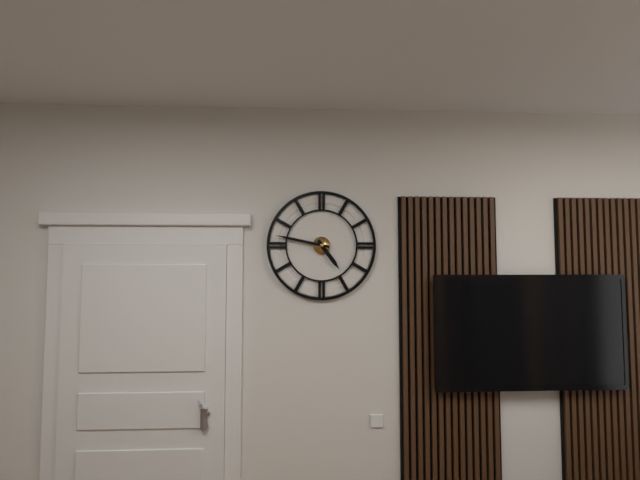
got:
4:47
